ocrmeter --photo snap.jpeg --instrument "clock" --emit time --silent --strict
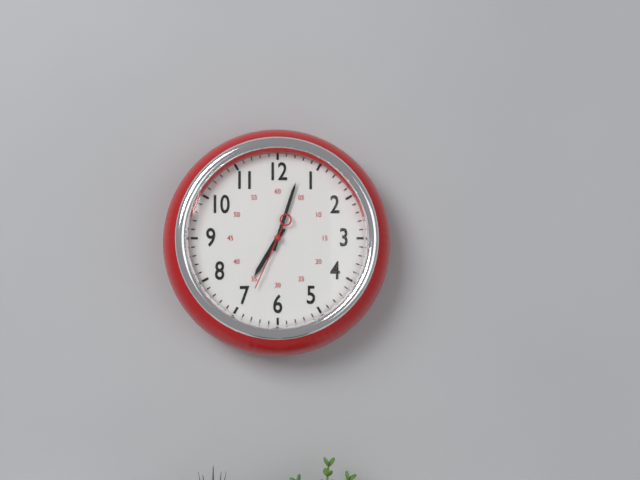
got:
7:03:34
